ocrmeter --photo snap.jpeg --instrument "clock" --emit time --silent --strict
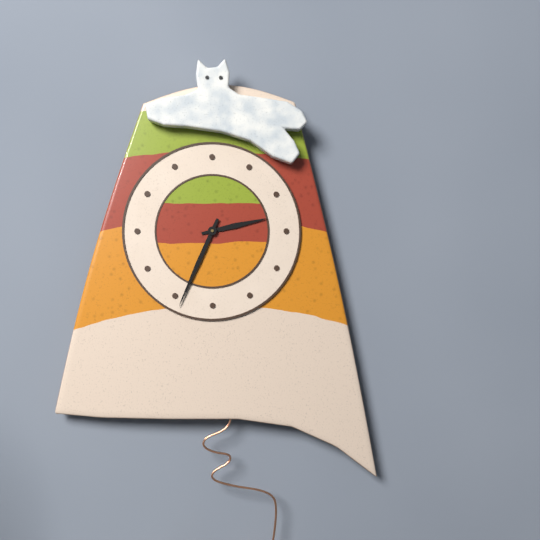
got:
2:34
